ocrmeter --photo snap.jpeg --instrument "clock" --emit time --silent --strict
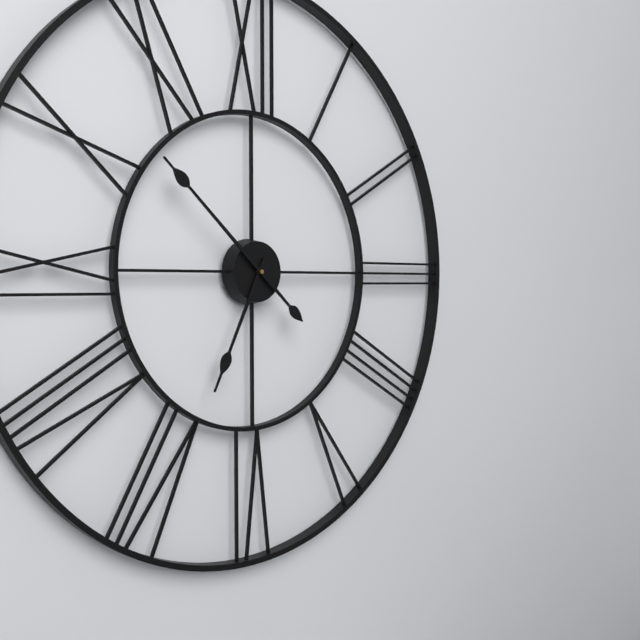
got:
6:52
